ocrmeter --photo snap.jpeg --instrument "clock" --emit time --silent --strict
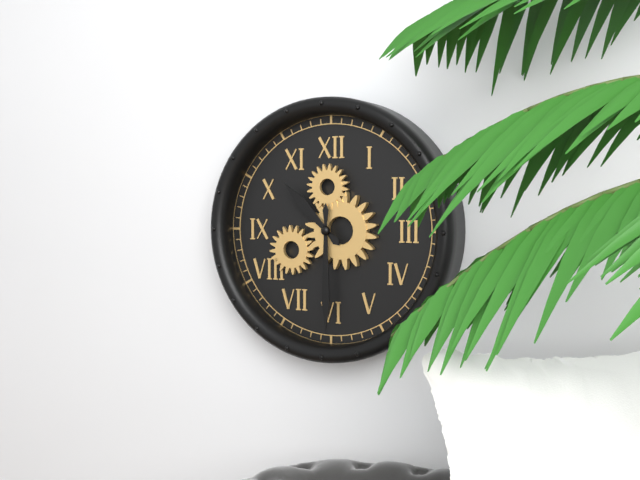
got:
10:30
